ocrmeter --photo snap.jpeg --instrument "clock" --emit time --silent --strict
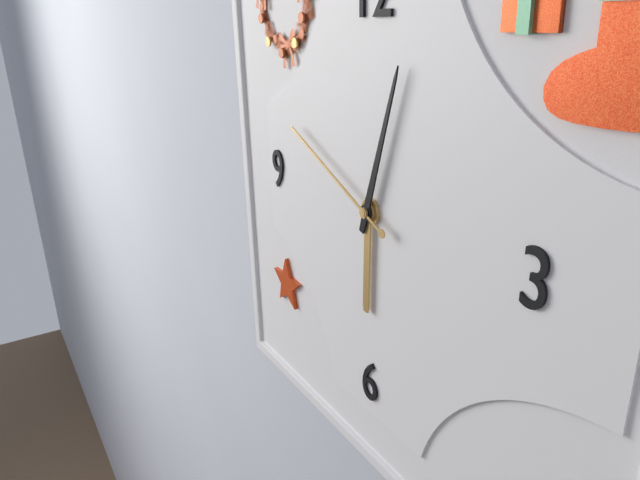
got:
6:03:49
